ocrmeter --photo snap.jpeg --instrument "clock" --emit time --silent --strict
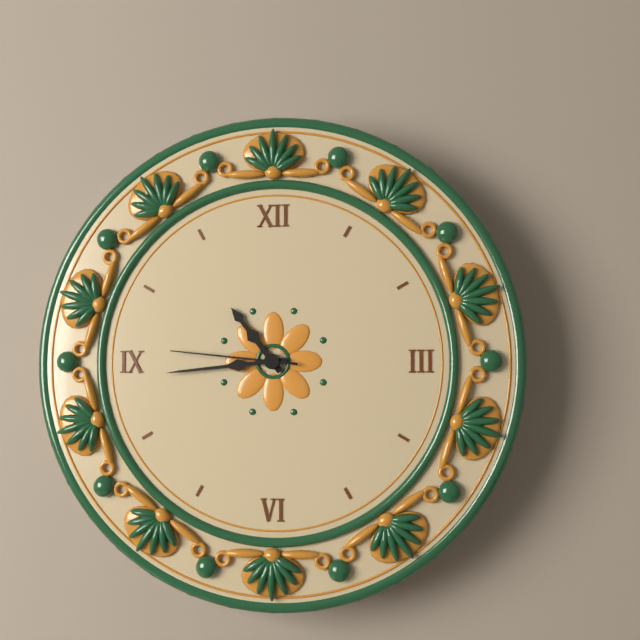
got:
10:44:46
